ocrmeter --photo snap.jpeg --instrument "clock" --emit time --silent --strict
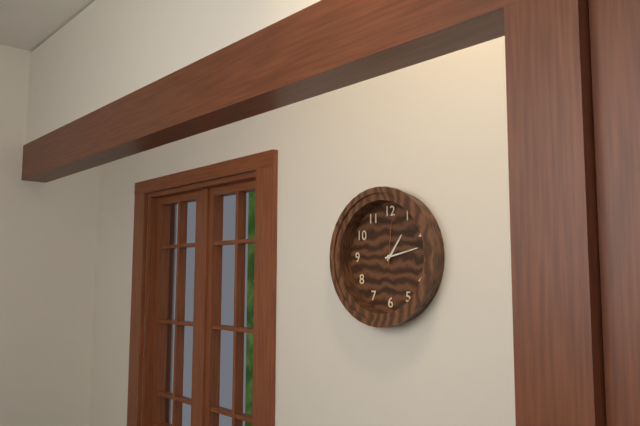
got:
1:13
